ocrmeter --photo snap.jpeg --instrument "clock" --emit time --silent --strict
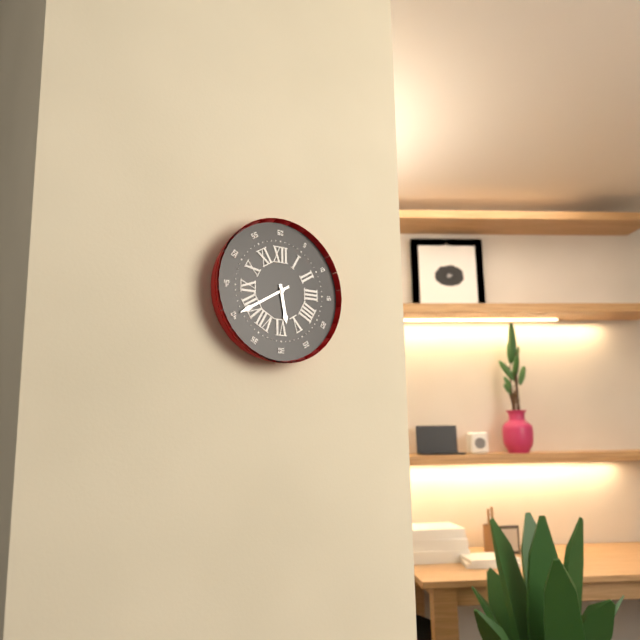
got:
5:40
